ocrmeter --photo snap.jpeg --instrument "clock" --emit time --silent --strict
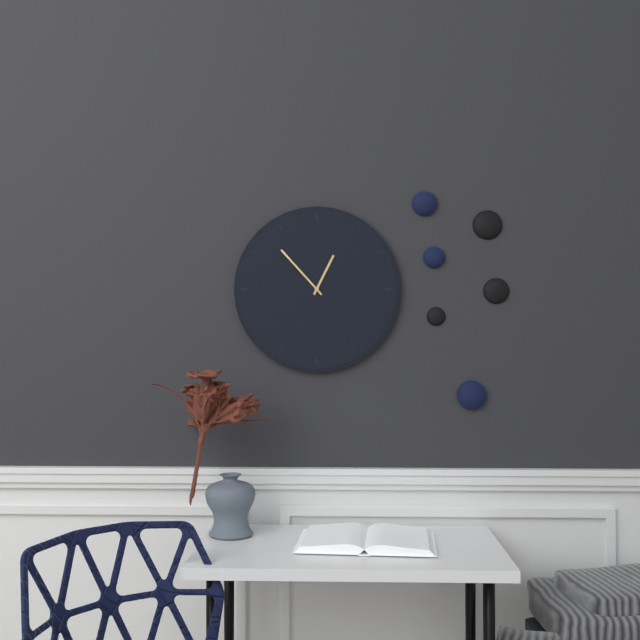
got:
12:53
